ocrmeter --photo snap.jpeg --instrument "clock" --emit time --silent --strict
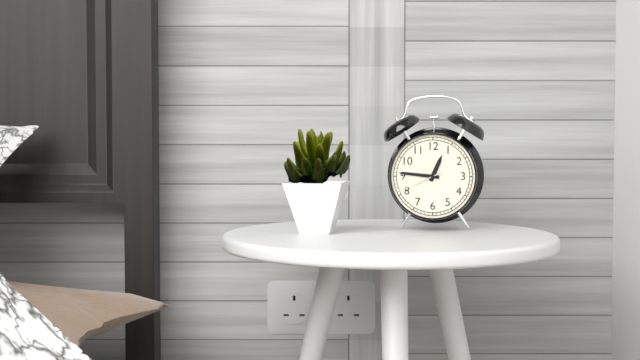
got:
12:46
